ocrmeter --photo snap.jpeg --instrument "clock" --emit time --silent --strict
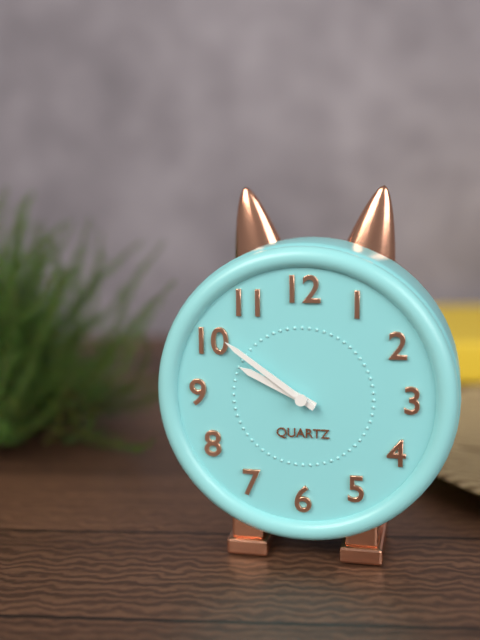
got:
9:51
